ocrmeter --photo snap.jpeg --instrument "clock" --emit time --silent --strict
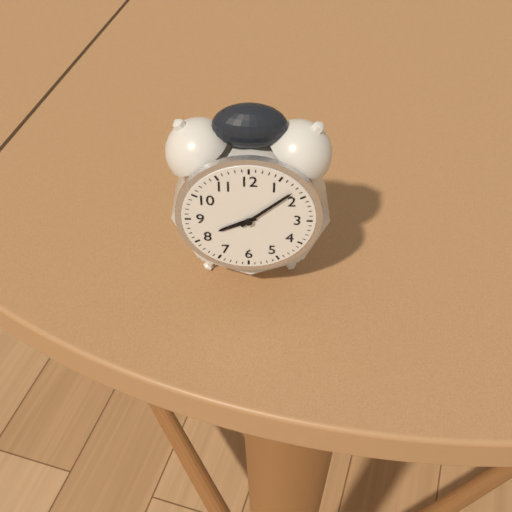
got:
8:08
